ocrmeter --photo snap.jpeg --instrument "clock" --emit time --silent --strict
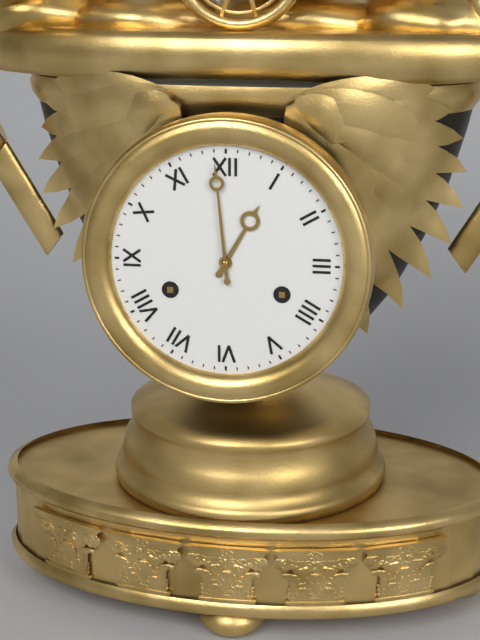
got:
12:59
